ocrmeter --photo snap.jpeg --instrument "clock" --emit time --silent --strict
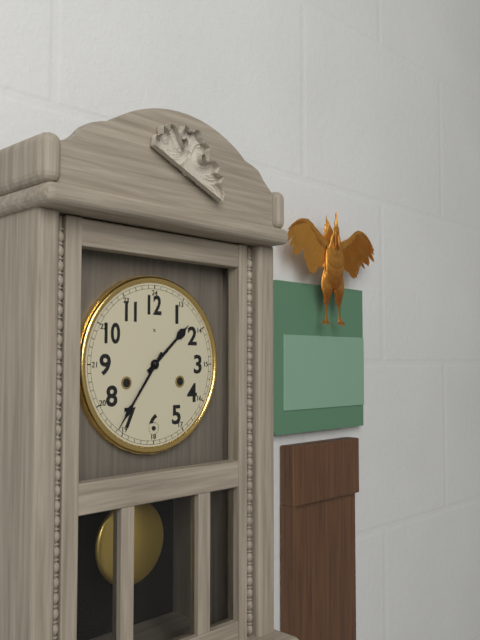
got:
1:36
